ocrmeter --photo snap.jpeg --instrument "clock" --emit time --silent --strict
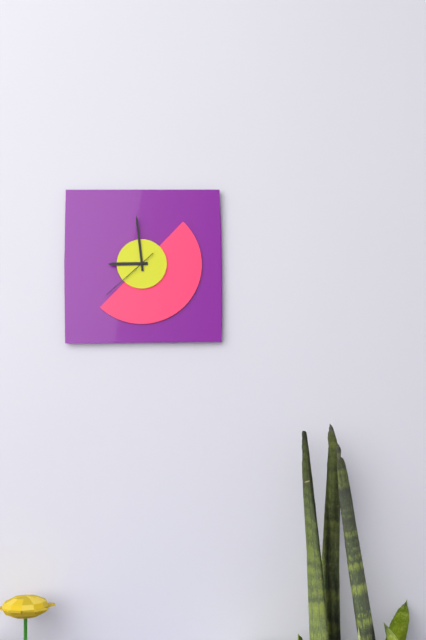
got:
8:59:38
